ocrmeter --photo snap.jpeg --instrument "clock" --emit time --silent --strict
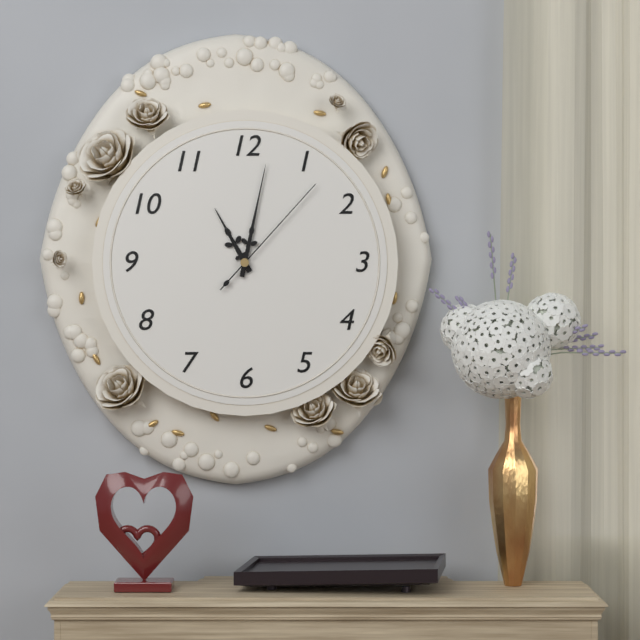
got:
11:02:07
